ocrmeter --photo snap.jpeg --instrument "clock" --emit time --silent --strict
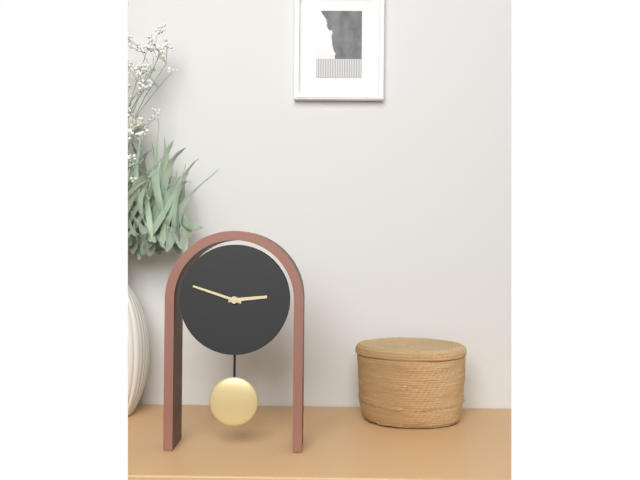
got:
2:48
